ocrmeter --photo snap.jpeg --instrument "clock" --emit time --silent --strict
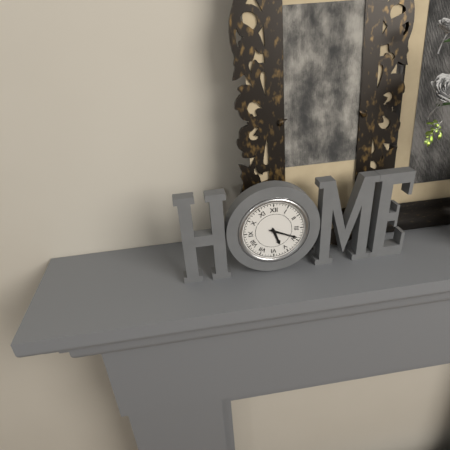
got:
5:19
